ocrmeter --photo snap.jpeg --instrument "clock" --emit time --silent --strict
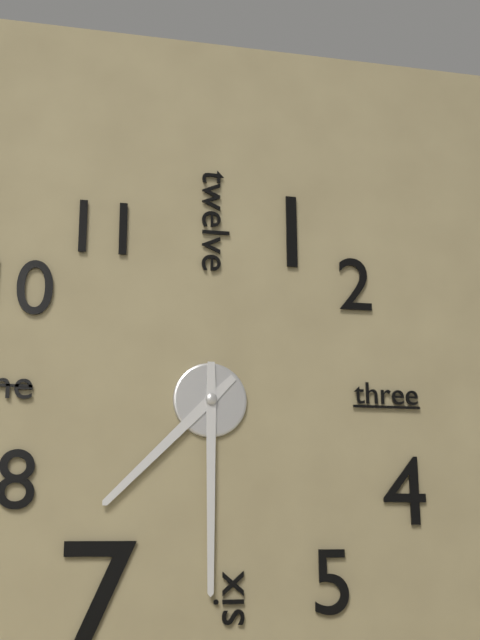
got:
7:30
